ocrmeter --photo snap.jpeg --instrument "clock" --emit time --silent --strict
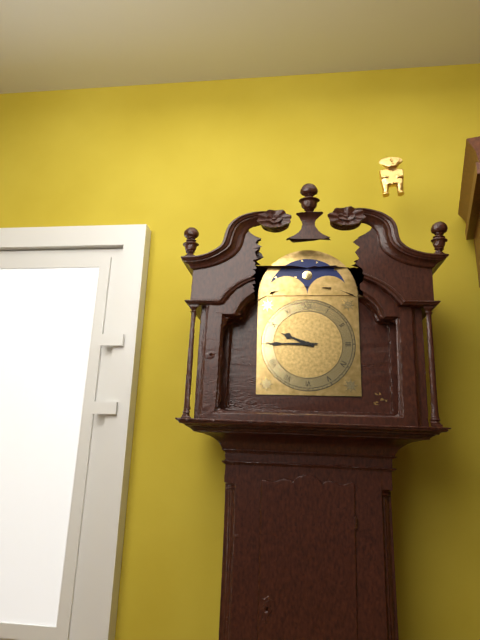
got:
9:45
